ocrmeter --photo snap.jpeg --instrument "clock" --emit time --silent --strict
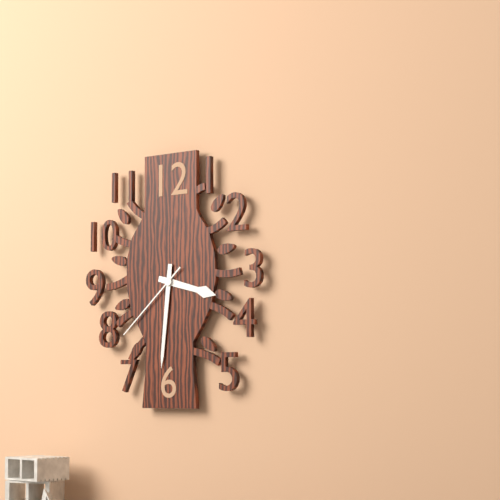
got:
3:31:38
